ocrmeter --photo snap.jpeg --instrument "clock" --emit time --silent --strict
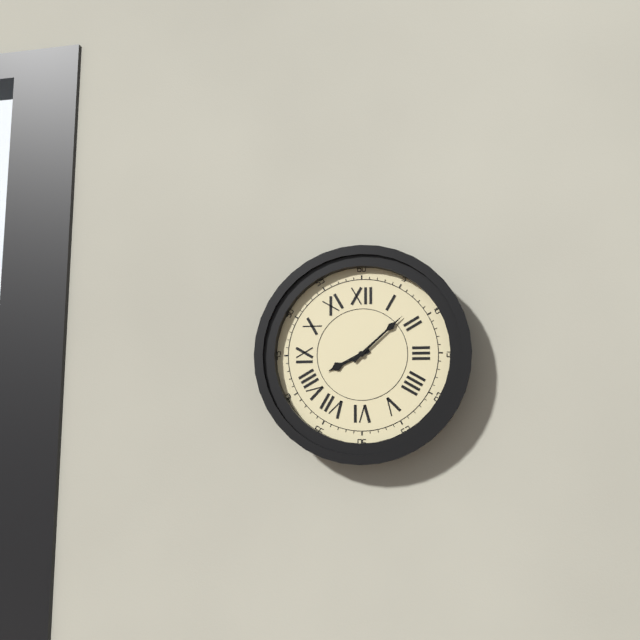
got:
8:08
